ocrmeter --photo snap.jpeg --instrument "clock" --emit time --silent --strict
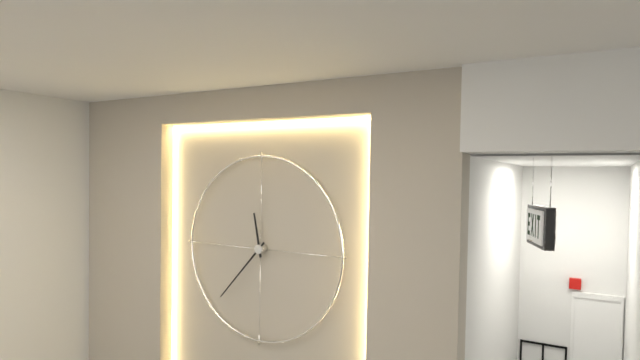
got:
11:37
